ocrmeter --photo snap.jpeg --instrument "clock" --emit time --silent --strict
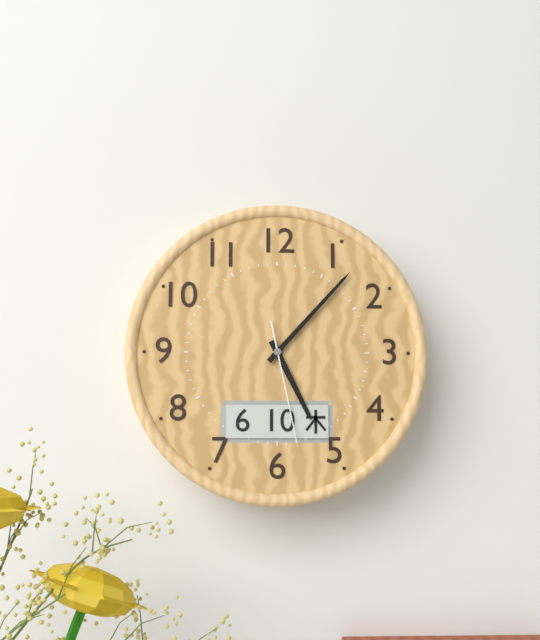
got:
5:07:28
